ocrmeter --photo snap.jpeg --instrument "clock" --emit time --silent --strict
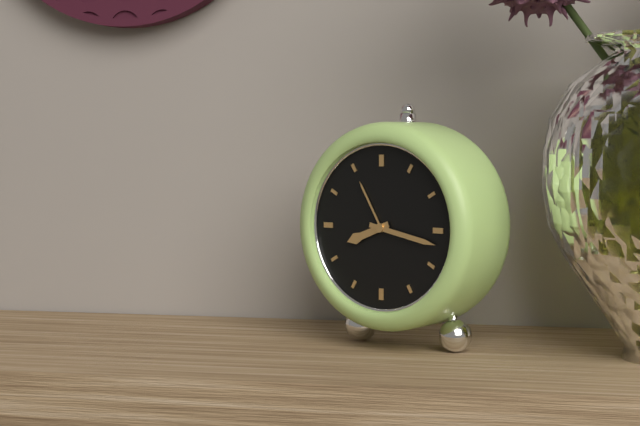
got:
8:17
